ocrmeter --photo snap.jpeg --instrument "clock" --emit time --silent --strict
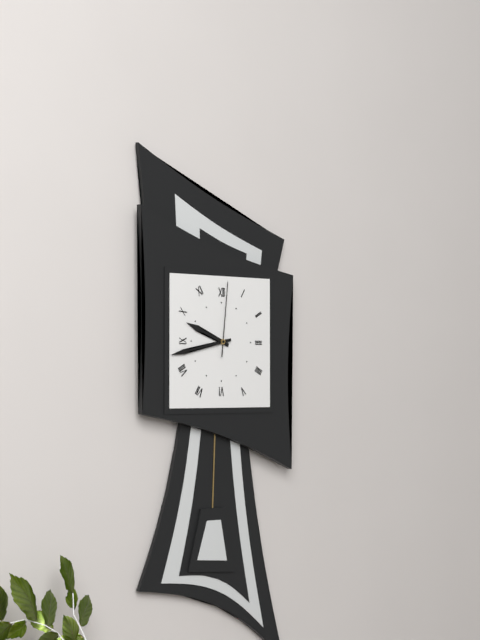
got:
9:43:01
